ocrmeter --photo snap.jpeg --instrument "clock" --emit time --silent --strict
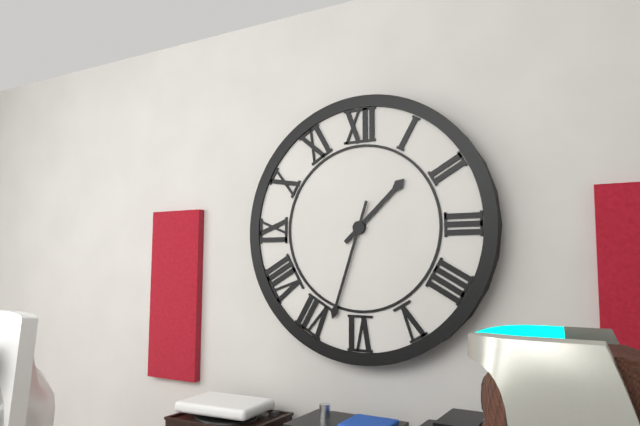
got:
1:33
